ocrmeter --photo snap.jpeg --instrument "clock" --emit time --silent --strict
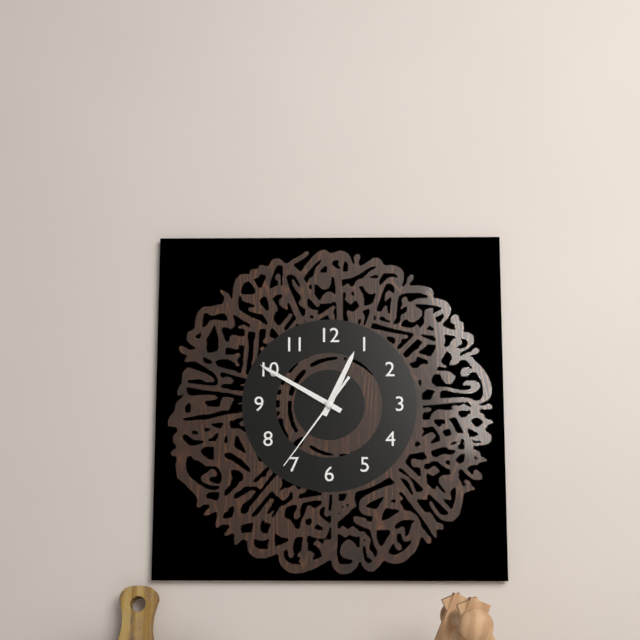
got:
12:50:36
